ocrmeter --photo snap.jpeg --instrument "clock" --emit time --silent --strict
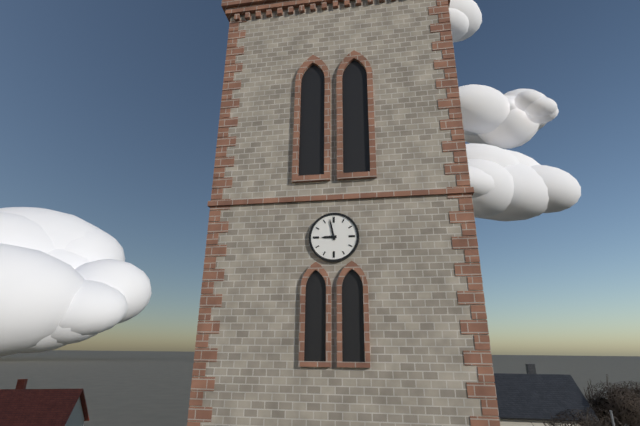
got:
8:58
